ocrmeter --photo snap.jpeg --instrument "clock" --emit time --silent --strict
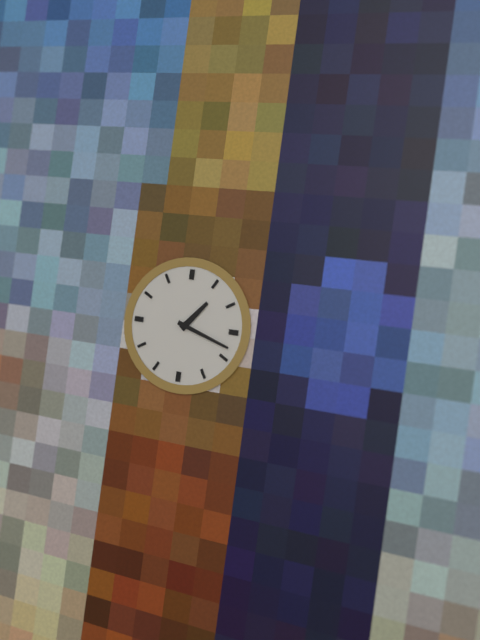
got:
1:18
